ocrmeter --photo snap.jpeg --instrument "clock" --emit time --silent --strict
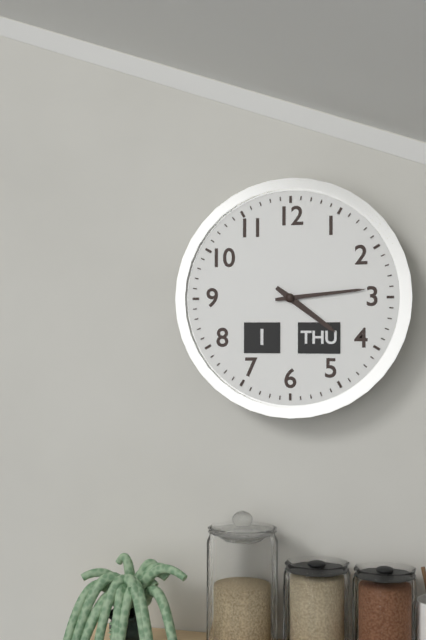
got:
4:14
